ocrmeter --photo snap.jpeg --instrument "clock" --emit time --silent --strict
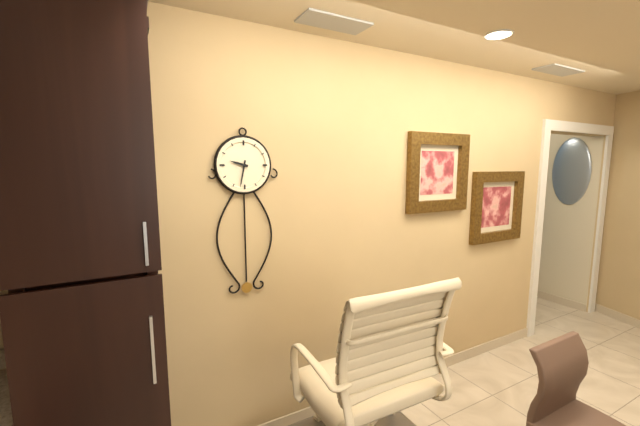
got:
9:32
